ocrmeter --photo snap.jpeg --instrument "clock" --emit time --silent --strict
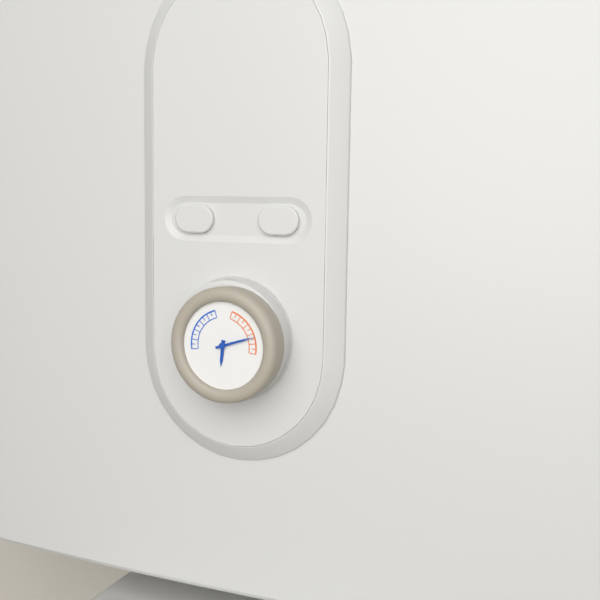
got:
6:12
